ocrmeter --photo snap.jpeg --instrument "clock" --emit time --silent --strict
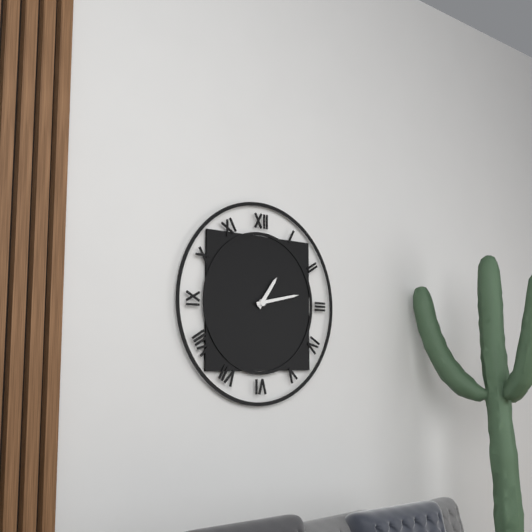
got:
1:13
